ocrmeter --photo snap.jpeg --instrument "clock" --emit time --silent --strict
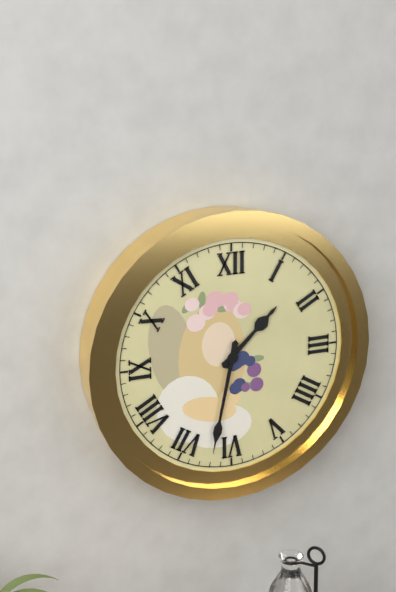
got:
1:32
